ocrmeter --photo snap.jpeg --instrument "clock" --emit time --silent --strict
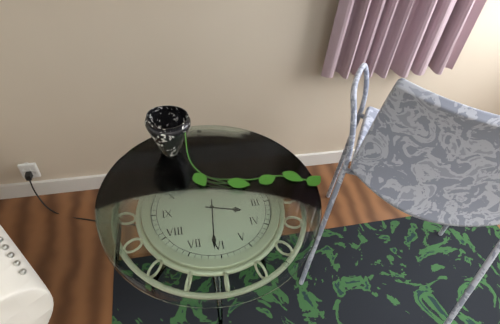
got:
3:31
